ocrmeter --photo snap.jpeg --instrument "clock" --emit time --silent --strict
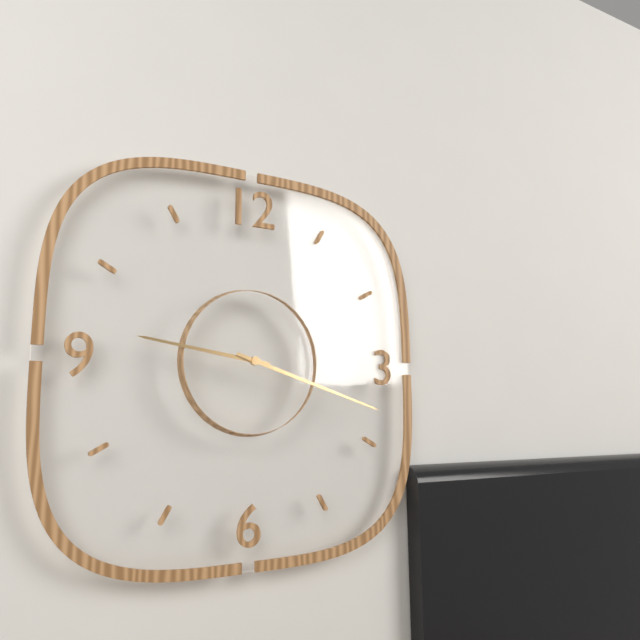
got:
9:18
